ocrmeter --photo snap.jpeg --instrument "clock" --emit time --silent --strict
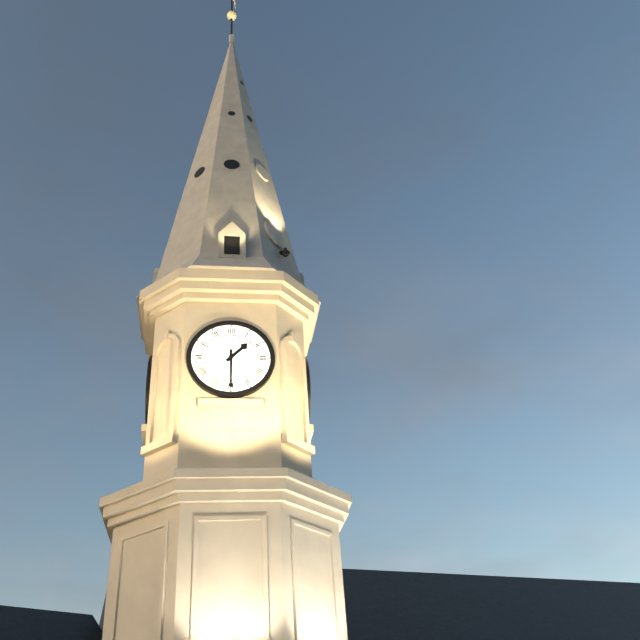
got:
1:30
